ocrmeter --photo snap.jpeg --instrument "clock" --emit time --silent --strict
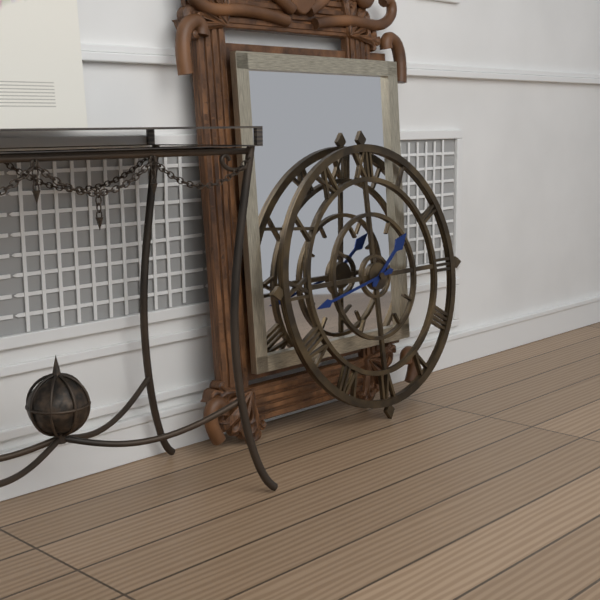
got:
1:43
